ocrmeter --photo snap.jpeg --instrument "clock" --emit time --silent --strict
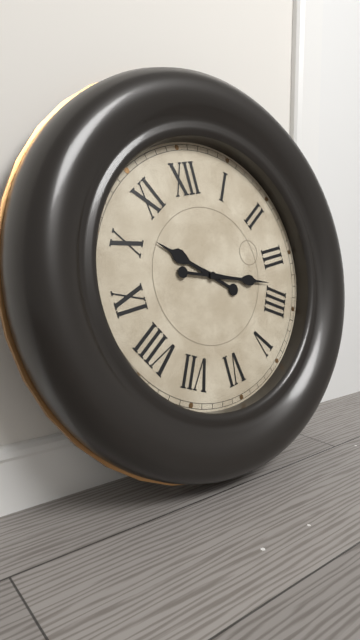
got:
10:18
